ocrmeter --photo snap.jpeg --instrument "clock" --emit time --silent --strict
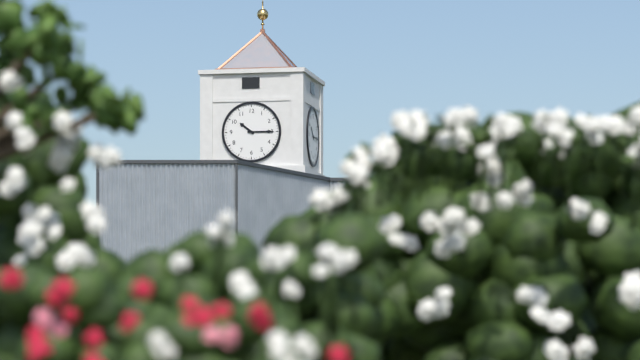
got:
10:15
